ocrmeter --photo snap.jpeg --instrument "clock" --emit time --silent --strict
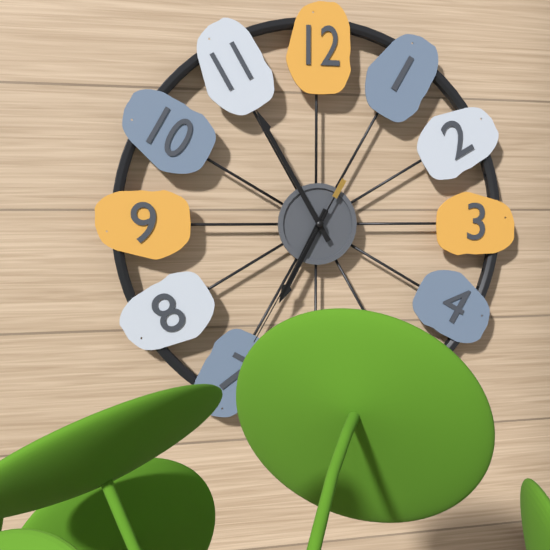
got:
6:55:35
